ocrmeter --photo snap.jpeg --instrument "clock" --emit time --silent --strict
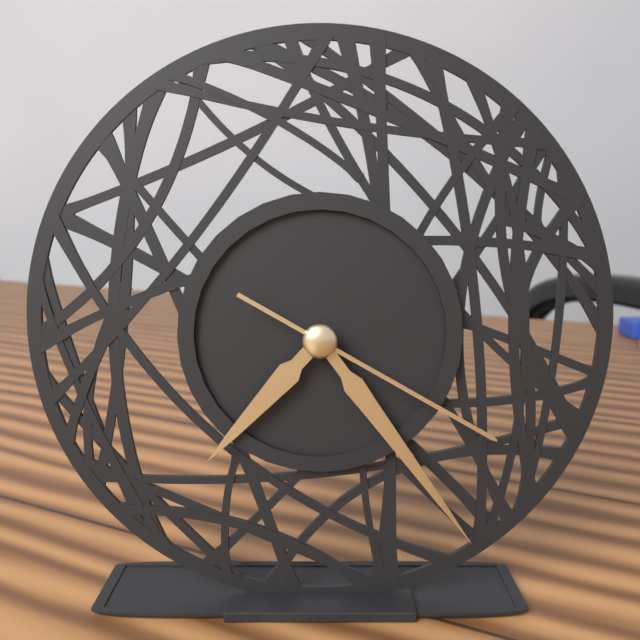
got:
7:24:20
